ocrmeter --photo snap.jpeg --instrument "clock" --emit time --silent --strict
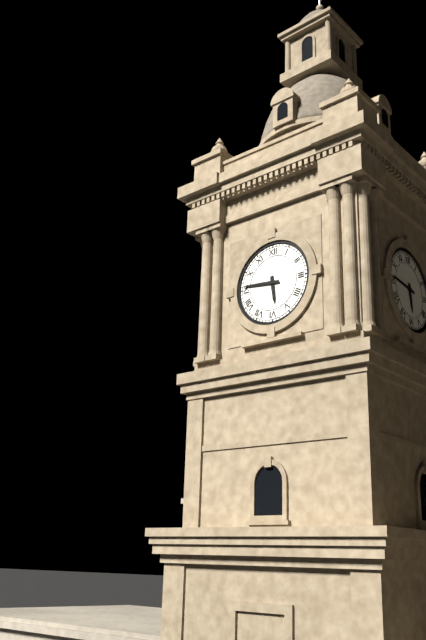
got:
5:46
